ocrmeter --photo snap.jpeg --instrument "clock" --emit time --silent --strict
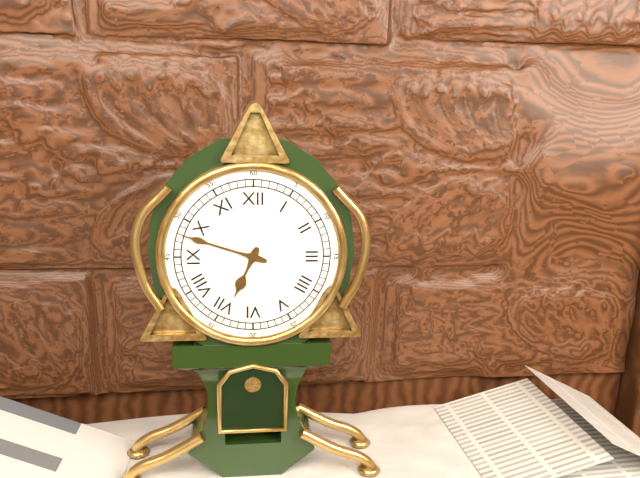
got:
6:48
